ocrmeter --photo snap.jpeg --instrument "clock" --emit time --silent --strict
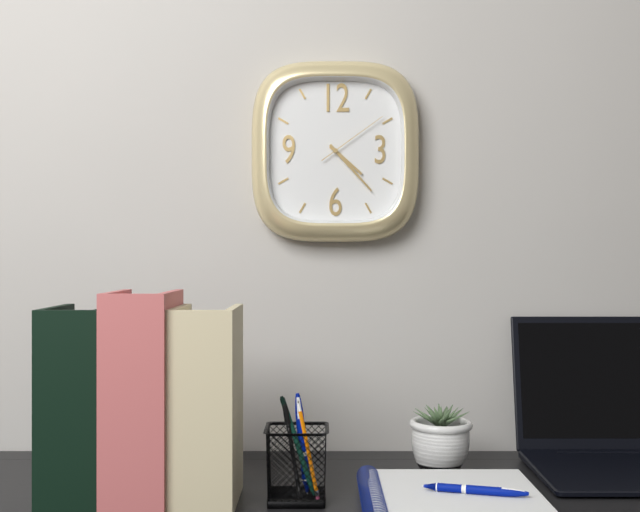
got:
4:23:09
